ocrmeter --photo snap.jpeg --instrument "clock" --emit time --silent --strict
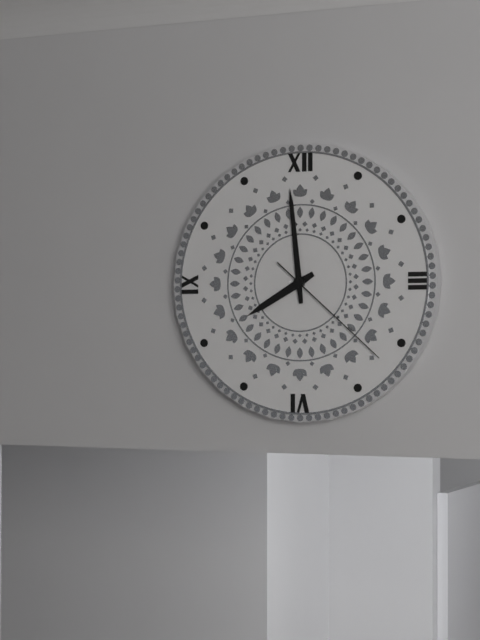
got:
7:59:22
